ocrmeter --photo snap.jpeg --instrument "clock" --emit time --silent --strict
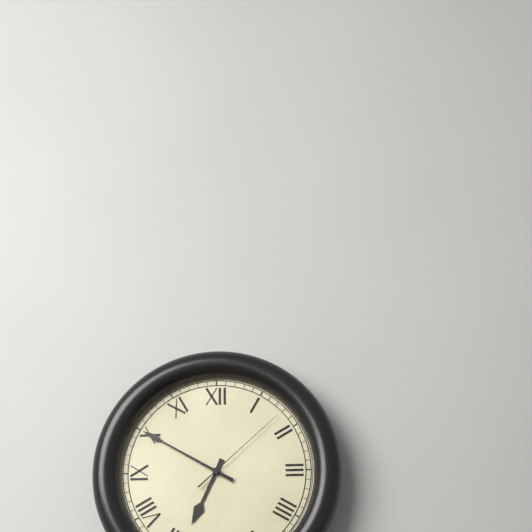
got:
6:50:08
